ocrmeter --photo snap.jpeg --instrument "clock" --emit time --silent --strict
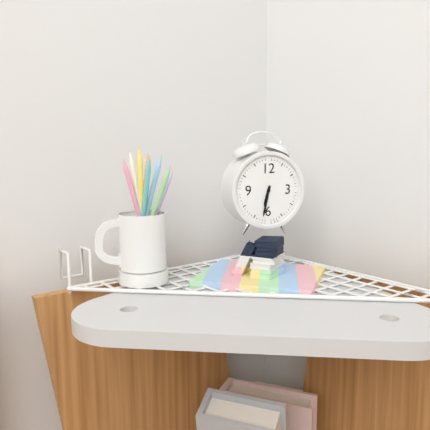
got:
6:32
